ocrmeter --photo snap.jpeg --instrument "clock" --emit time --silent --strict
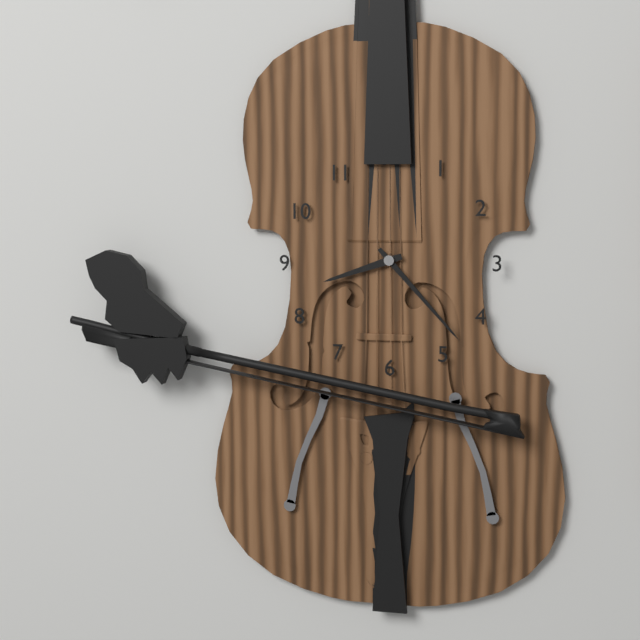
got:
8:23
